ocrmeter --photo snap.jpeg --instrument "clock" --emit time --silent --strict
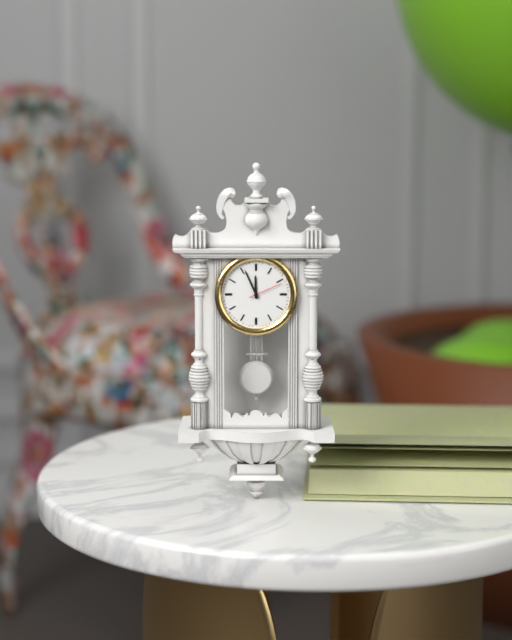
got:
11:56
